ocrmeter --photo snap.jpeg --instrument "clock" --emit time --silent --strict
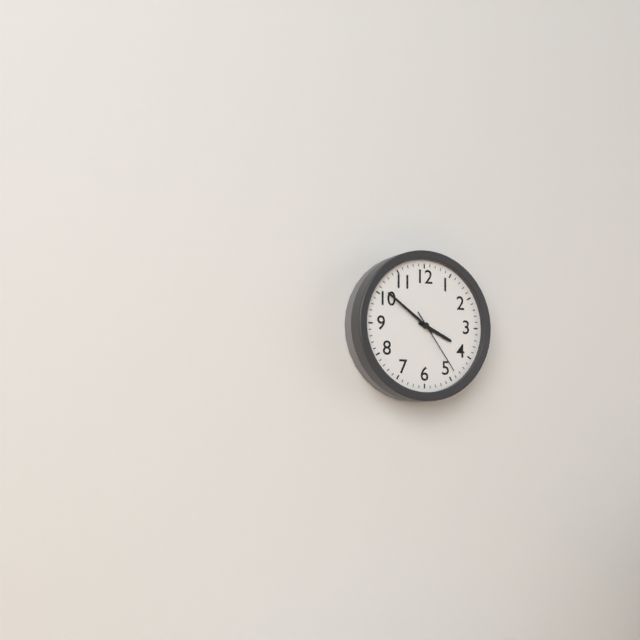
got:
3:51:24
